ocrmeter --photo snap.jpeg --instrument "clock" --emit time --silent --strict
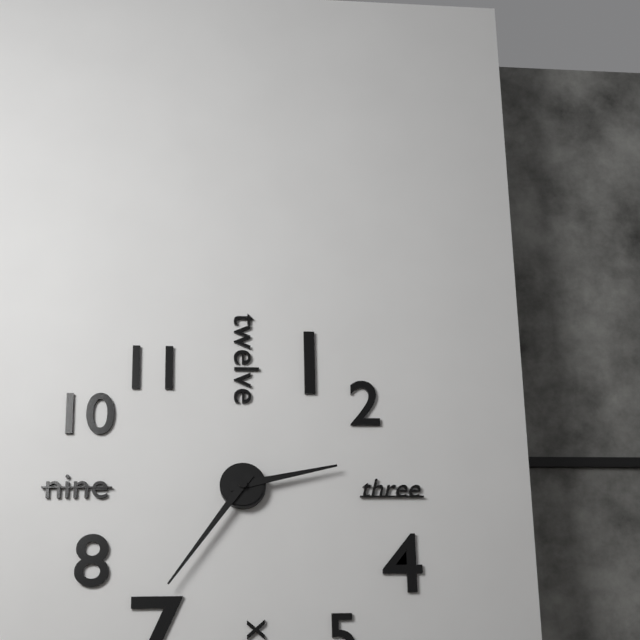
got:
2:36
